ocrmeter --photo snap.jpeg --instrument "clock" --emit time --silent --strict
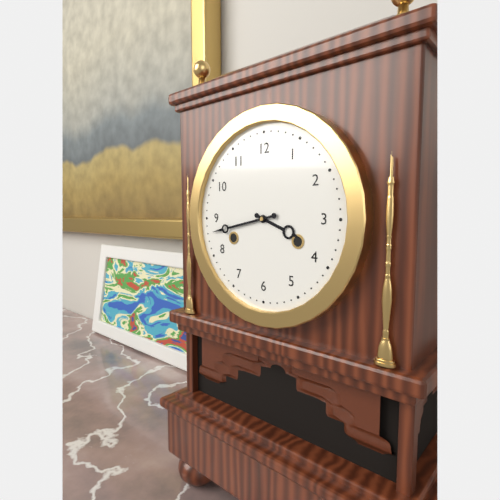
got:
3:43
